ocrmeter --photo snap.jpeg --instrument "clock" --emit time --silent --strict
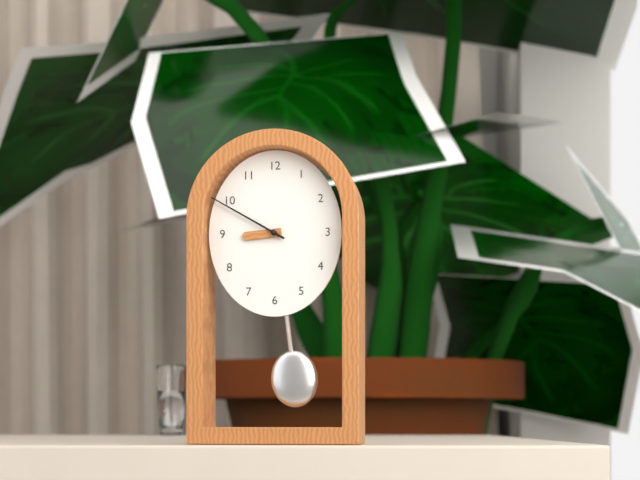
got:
8:50
